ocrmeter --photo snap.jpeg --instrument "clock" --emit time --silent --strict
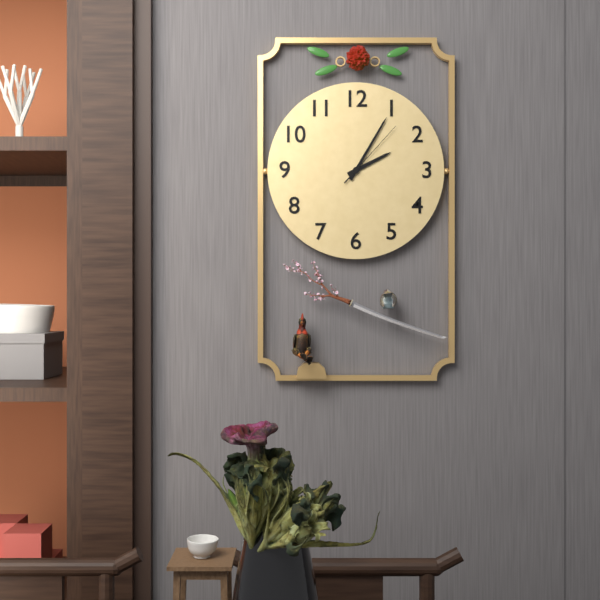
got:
2:05:07
